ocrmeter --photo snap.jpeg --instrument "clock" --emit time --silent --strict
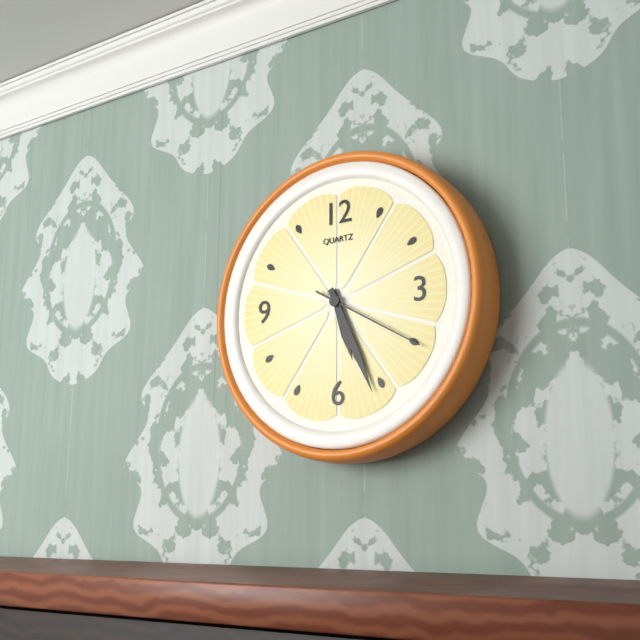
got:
5:26:20
